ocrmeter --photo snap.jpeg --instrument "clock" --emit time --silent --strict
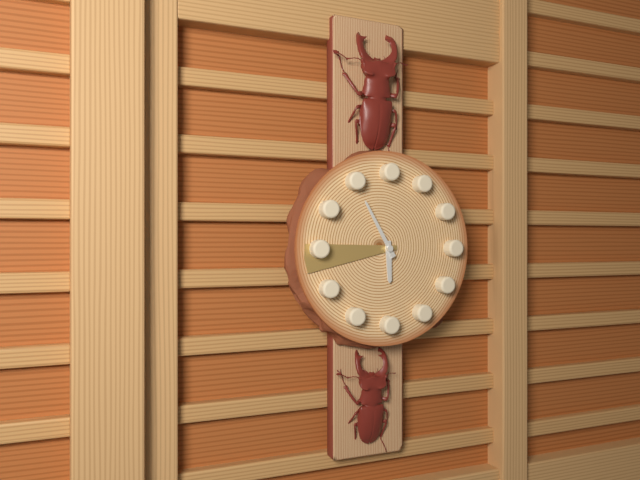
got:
5:55:44
